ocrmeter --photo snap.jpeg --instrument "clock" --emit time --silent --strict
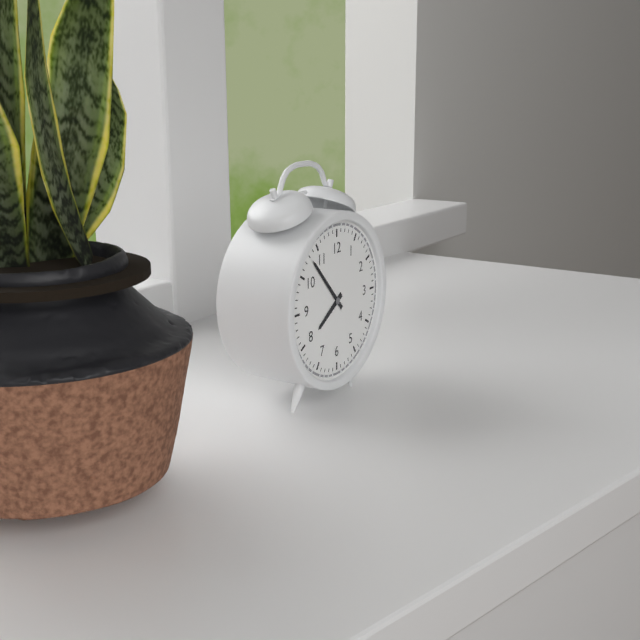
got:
7:53
